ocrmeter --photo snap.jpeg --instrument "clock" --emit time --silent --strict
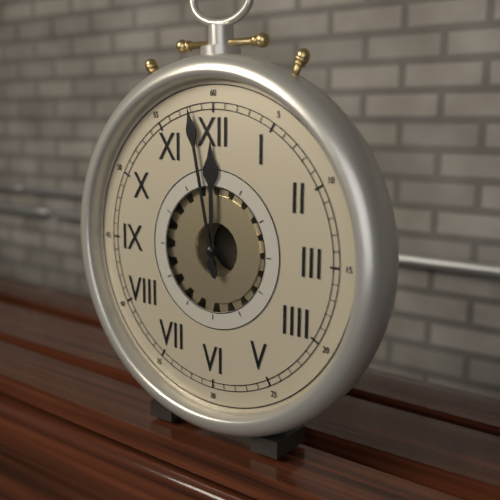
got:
11:58
